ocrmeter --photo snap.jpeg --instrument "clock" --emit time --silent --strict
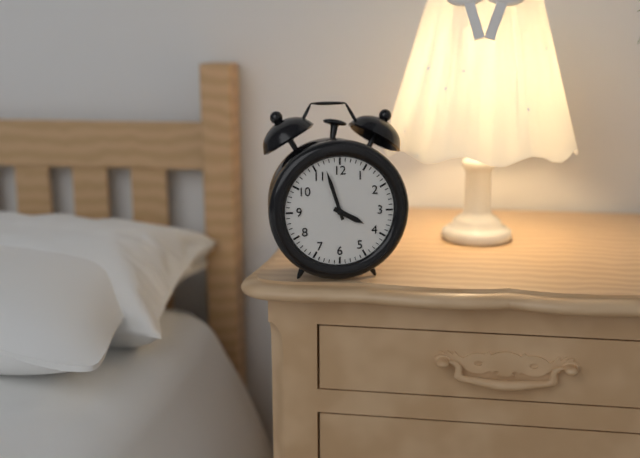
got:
3:57
